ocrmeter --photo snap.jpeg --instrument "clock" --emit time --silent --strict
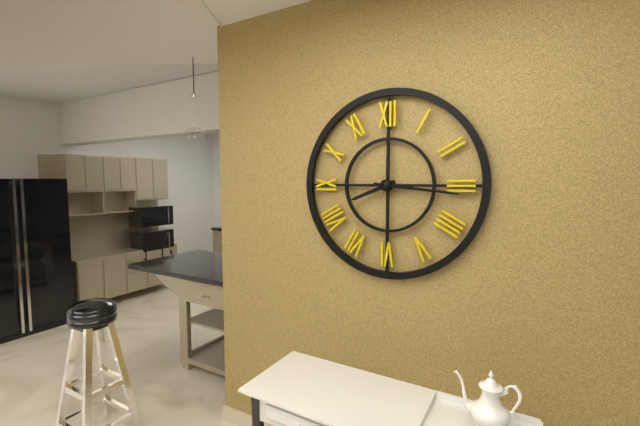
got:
8:16
